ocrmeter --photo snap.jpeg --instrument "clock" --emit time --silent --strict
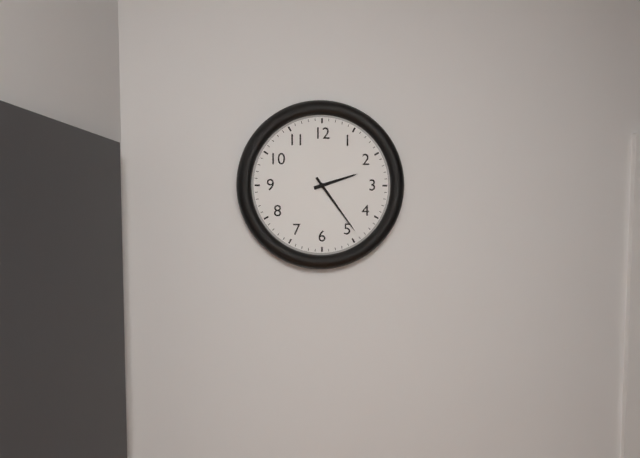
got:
2:24
